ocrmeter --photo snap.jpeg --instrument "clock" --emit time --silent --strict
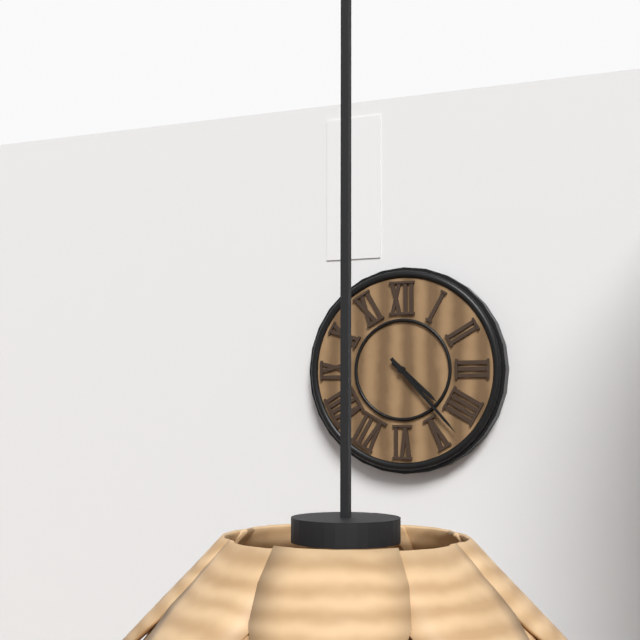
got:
4:23
